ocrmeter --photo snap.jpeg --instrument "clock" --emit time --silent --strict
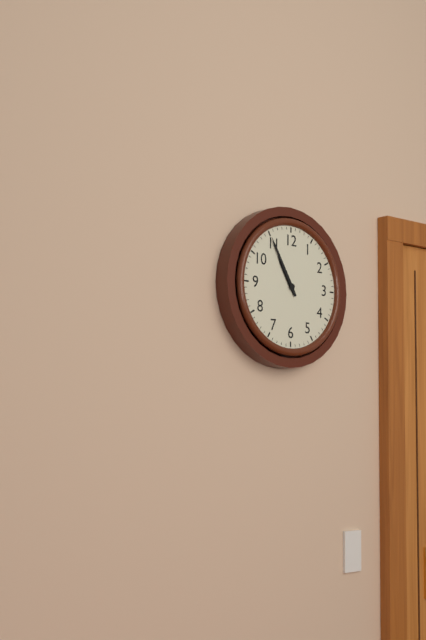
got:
10:55
